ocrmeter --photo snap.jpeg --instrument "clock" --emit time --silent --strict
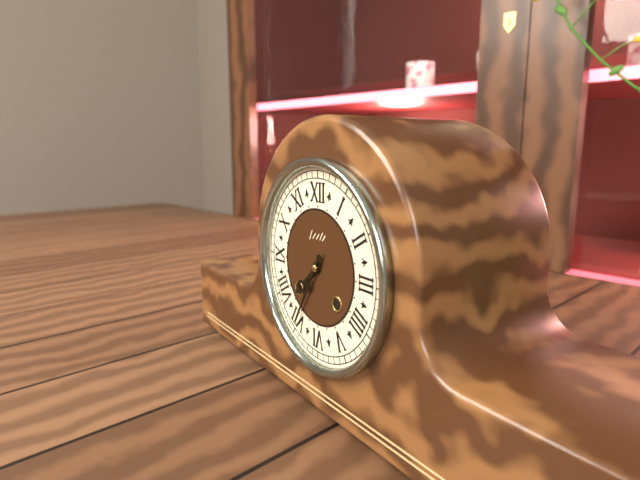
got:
7:35
